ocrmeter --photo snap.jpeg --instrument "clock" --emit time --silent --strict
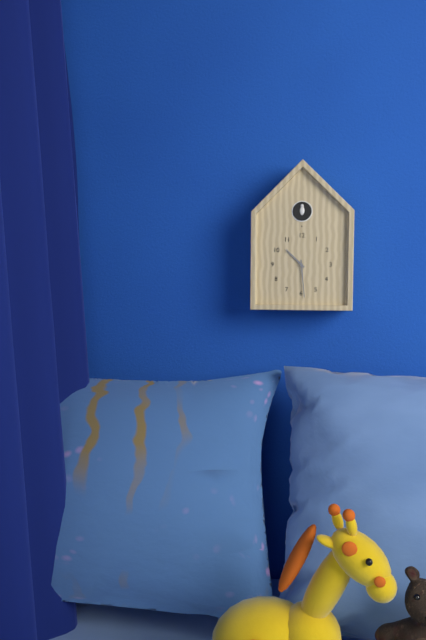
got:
10:29
